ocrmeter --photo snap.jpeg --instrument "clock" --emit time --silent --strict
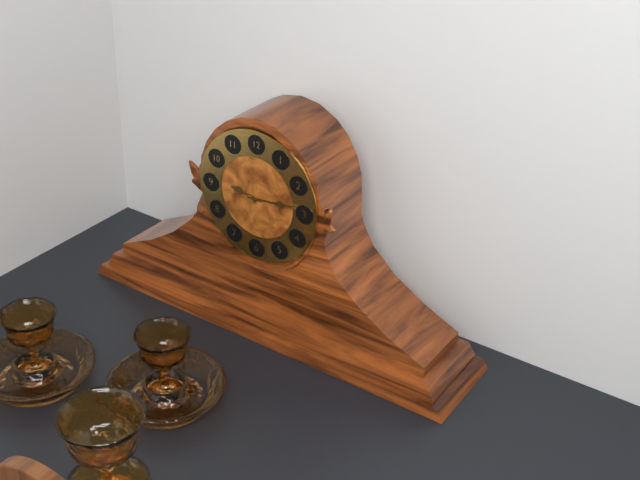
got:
9:14
